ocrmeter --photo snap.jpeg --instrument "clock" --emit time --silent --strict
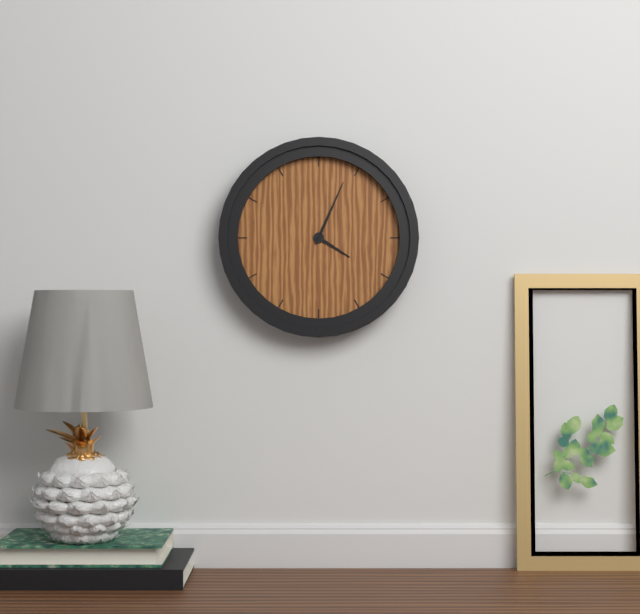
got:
4:04
